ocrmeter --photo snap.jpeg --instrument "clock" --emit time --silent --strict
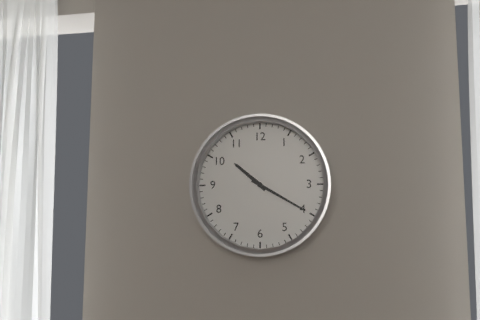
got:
10:20
